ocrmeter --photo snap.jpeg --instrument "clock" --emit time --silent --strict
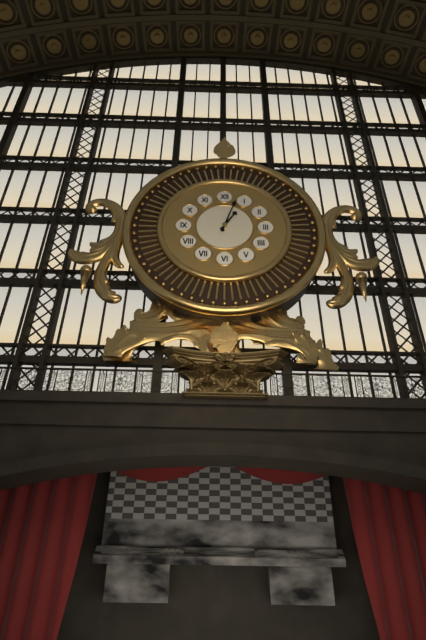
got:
1:03
